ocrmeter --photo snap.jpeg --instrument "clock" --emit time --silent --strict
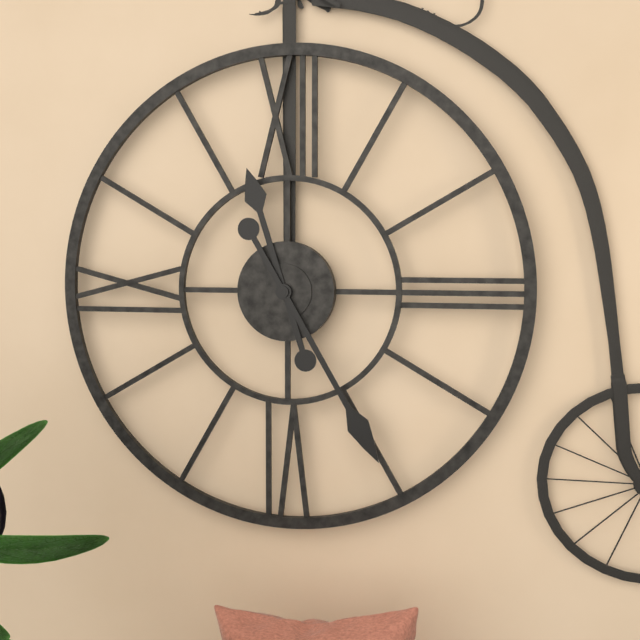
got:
11:25
